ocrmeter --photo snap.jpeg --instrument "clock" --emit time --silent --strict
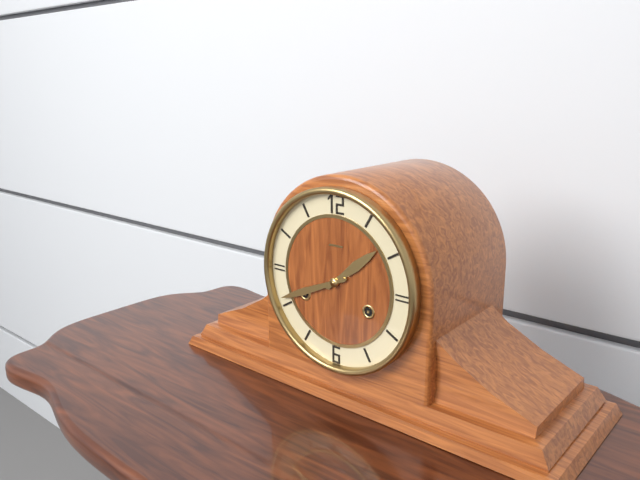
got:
1:41
